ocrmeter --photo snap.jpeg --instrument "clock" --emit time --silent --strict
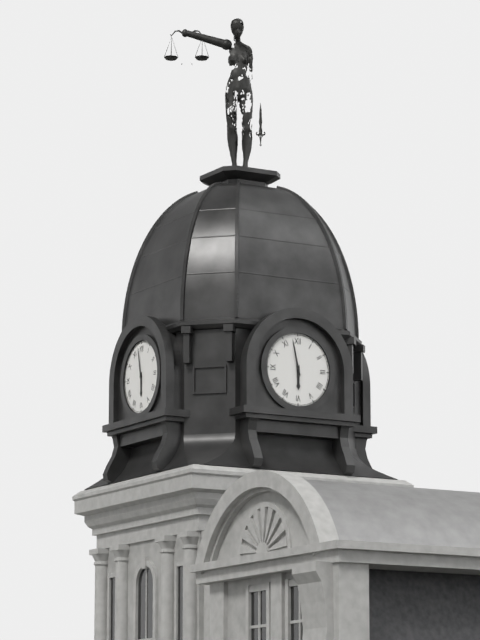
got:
5:58
